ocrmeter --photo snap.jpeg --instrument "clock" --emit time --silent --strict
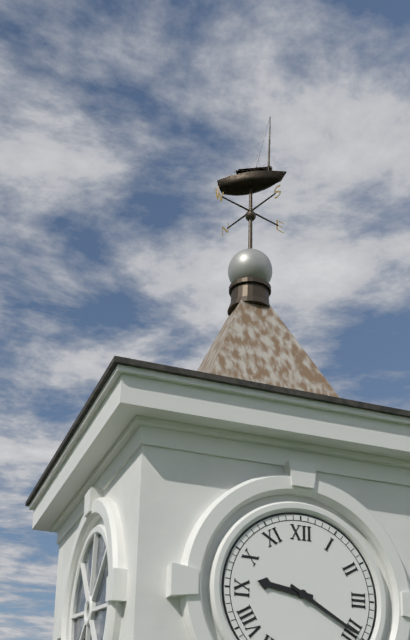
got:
9:20
